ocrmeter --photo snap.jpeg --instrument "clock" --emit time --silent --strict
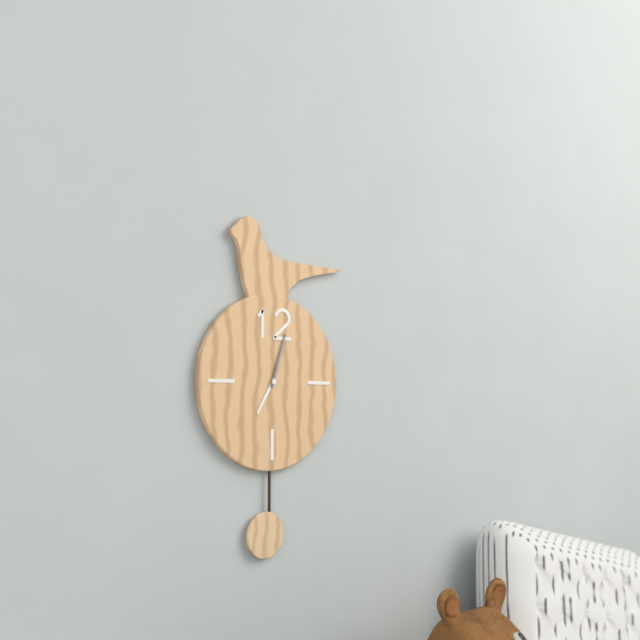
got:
7:03
